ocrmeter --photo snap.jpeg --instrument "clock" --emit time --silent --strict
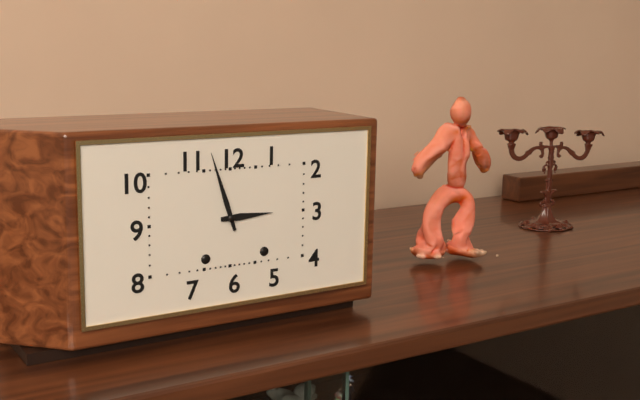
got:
2:57
